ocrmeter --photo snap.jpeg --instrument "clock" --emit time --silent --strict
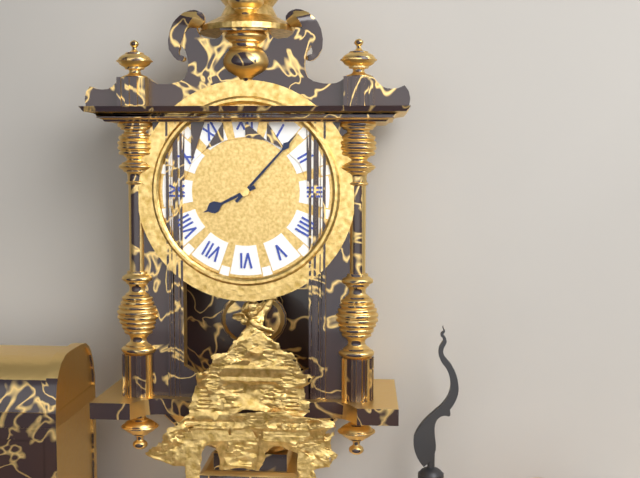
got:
8:07
